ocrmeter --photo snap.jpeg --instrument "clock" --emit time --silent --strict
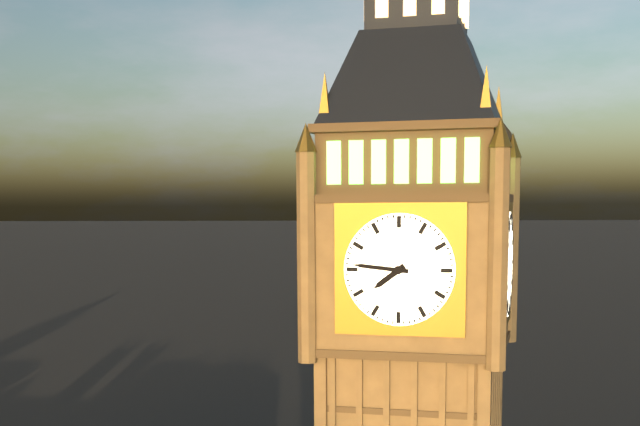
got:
7:46
